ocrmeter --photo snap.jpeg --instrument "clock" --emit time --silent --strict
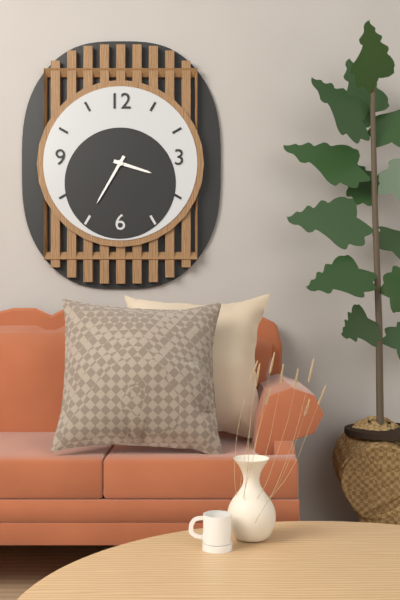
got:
3:35
